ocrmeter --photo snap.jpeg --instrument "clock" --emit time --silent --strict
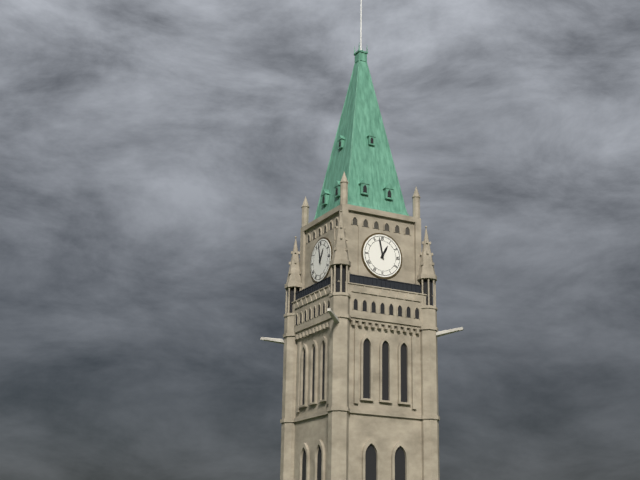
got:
12:58
